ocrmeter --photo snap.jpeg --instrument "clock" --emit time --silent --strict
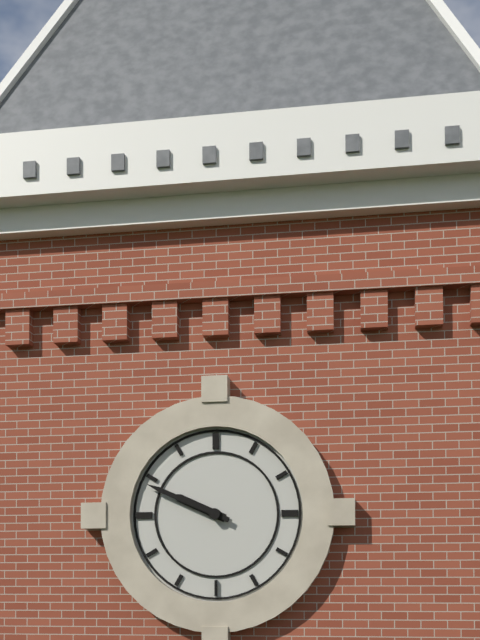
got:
9:49
